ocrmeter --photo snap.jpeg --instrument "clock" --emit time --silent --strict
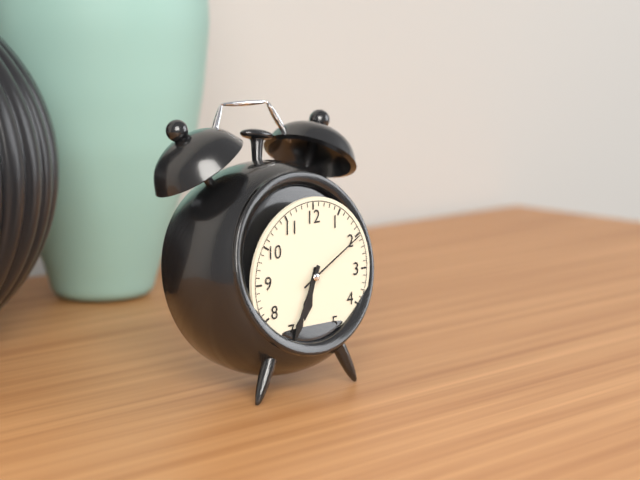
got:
6:34:10
